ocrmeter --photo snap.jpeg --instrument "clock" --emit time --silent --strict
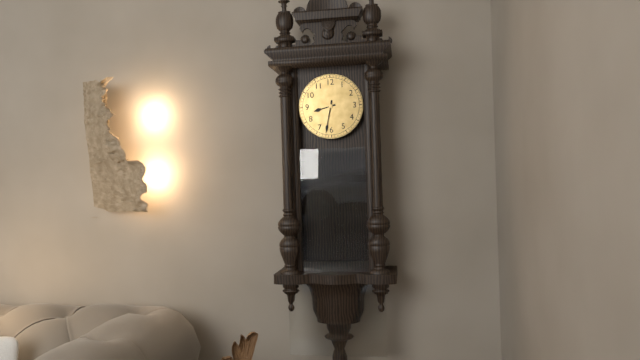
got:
8:32
